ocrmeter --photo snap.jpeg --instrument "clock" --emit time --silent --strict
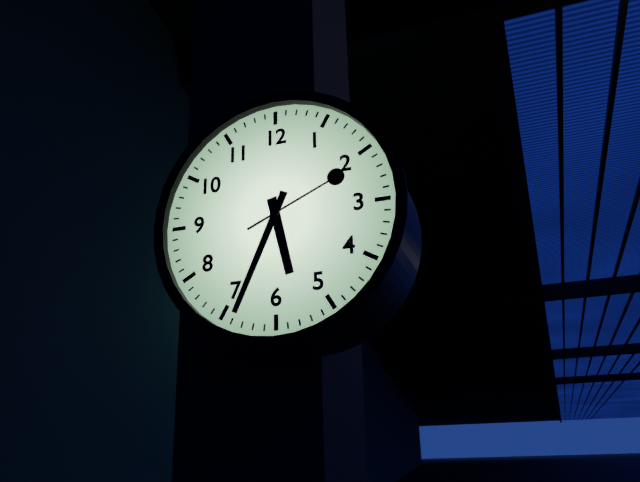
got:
5:34:11
